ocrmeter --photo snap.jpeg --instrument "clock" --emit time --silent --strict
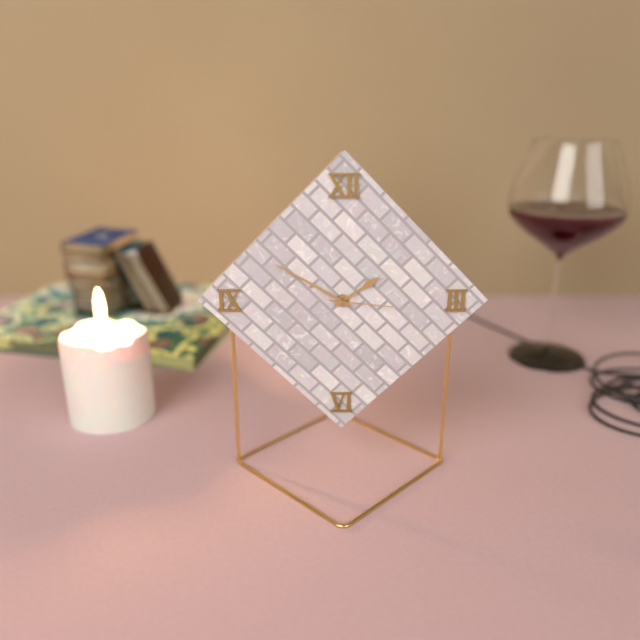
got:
1:50:16
